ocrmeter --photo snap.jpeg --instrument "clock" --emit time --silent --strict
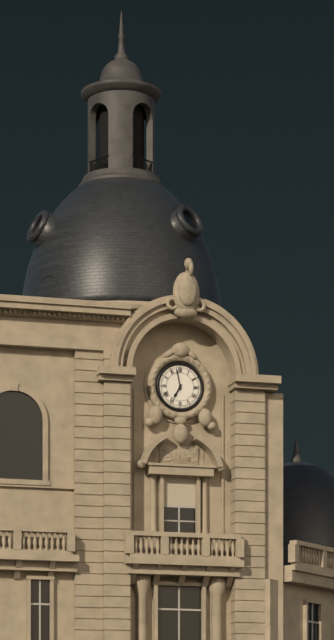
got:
6:58
